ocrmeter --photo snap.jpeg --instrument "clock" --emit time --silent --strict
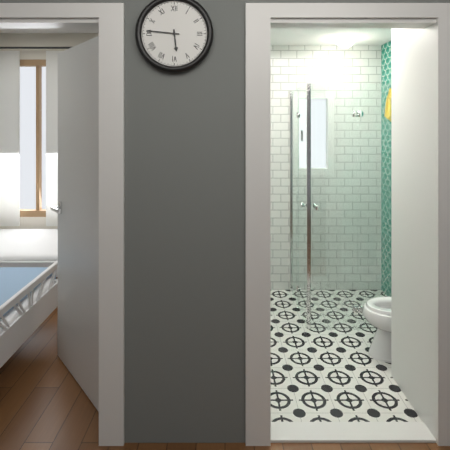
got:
5:46
